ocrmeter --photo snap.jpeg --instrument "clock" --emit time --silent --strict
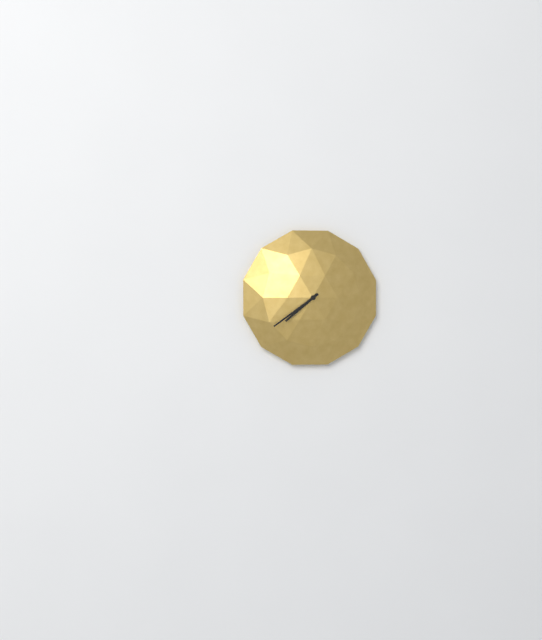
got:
7:39
